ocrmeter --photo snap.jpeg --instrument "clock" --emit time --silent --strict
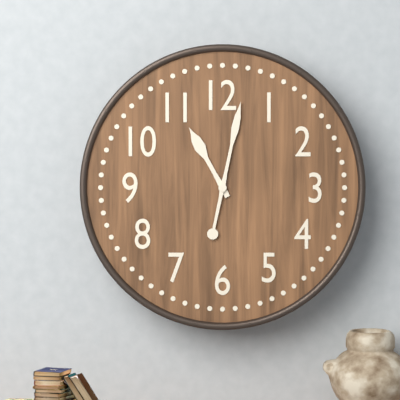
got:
11:02
